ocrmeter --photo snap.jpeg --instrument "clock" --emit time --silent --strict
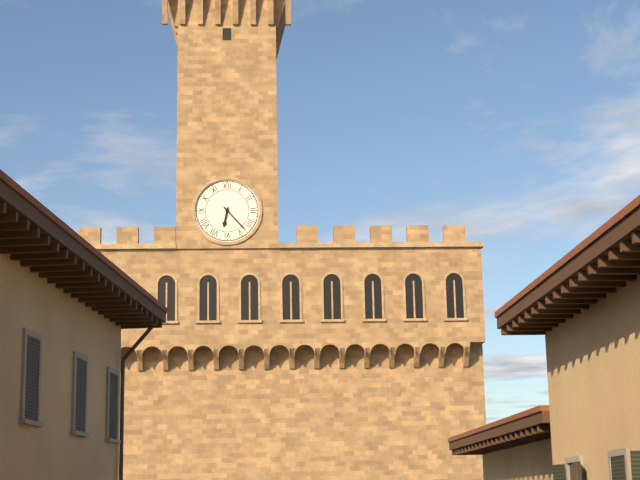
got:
6:23
